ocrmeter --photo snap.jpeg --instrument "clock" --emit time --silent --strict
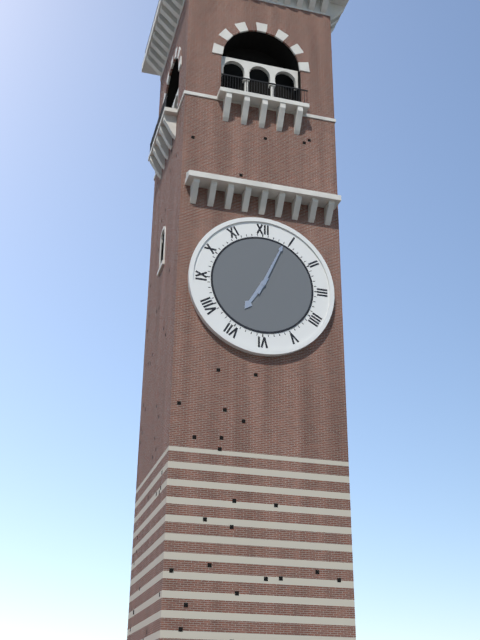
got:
7:04
